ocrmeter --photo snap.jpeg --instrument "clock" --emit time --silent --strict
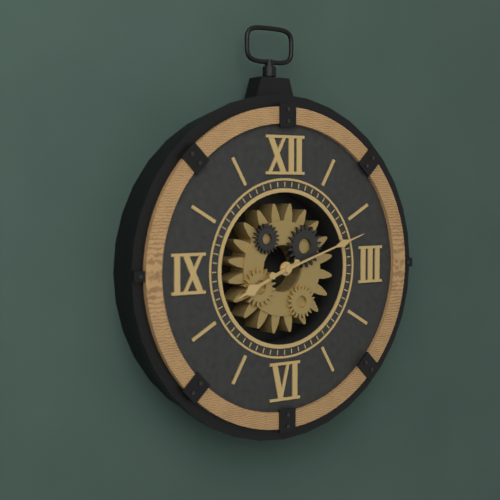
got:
8:12
